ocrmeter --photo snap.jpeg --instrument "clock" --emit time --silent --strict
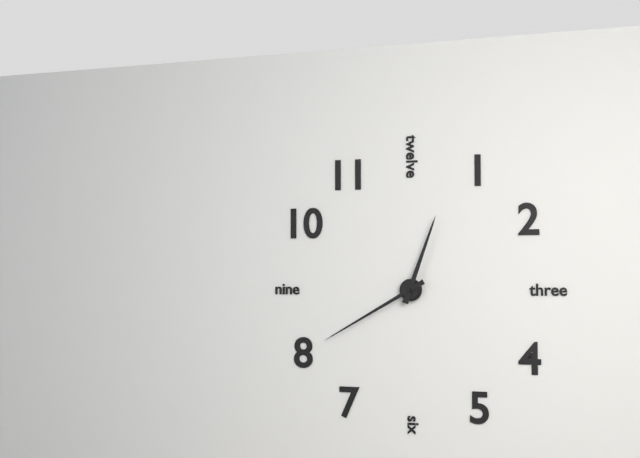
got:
12:40
